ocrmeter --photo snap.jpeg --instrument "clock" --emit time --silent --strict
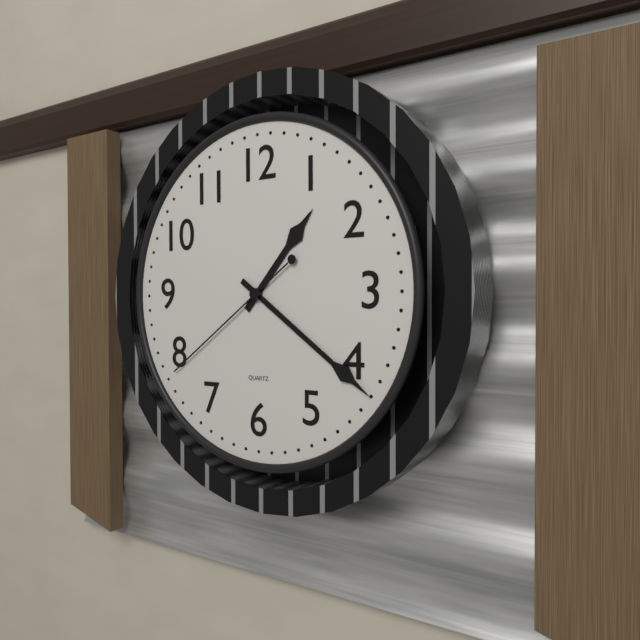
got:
1:21:39
